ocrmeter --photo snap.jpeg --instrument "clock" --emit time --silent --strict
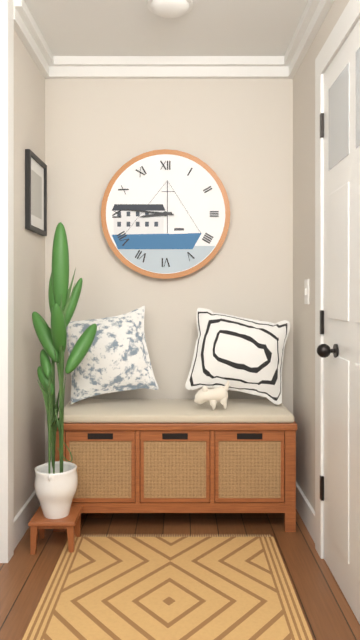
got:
8:46
